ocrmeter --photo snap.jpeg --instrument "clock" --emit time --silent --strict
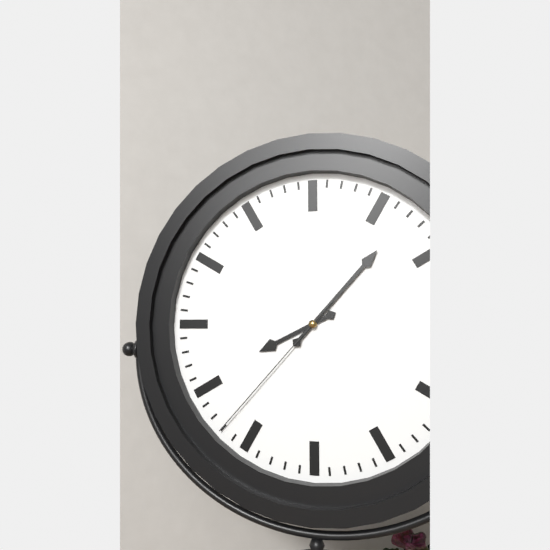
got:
8:07:37
